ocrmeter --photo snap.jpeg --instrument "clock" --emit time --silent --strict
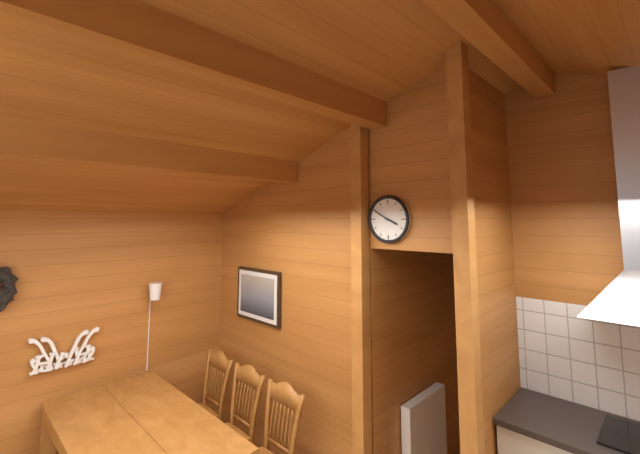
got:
3:50
